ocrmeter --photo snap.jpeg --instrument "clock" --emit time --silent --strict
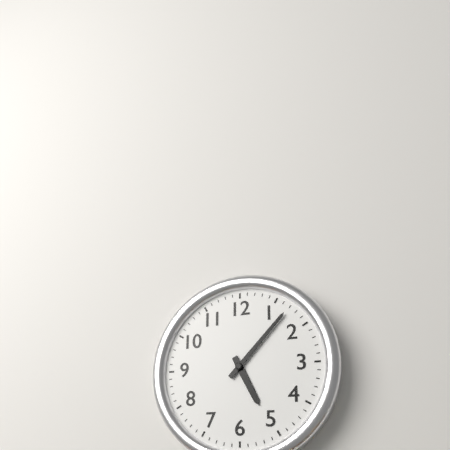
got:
5:07
